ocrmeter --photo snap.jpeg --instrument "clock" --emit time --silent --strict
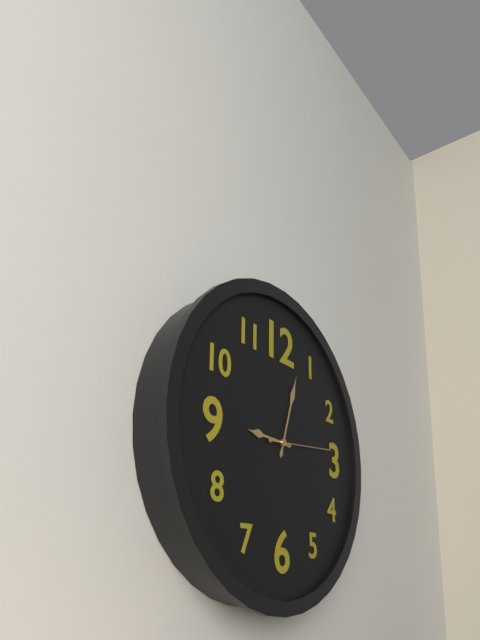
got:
9:03:14
